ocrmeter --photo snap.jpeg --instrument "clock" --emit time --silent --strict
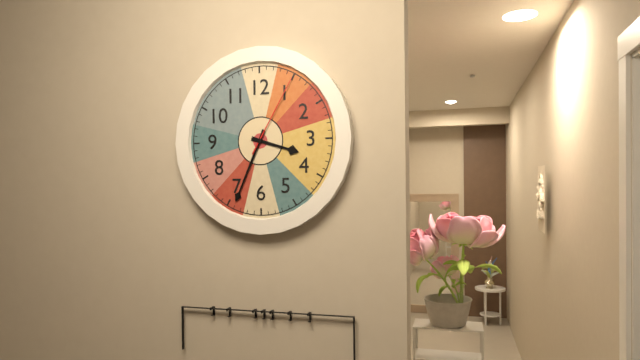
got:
3:34:05
